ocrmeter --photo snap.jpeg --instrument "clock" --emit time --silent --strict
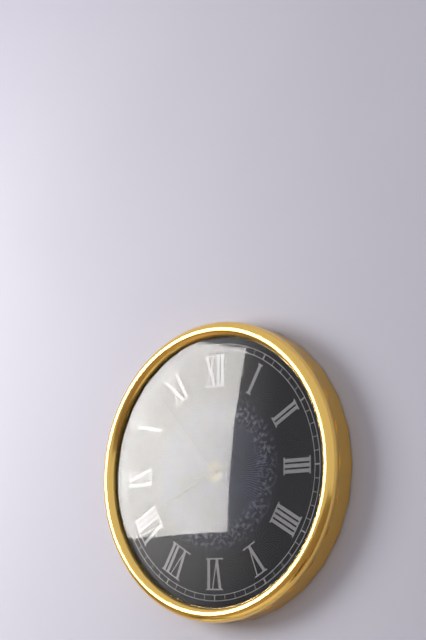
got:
8:41:53
